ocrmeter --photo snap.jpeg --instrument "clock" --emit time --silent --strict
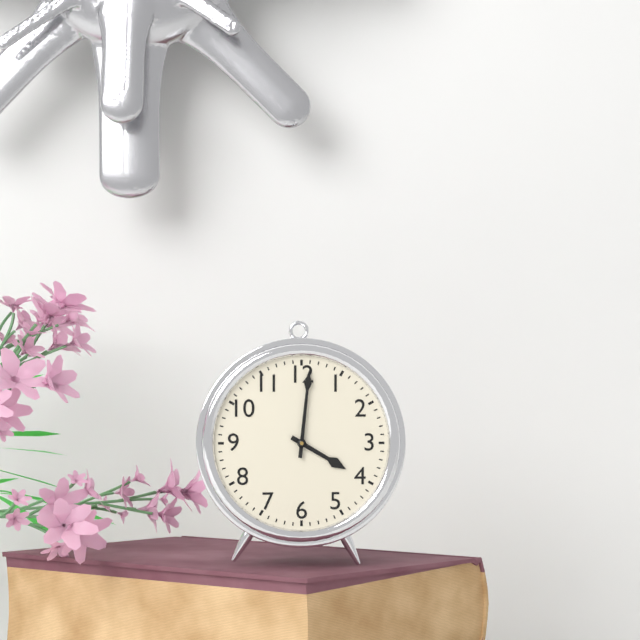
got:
4:01
